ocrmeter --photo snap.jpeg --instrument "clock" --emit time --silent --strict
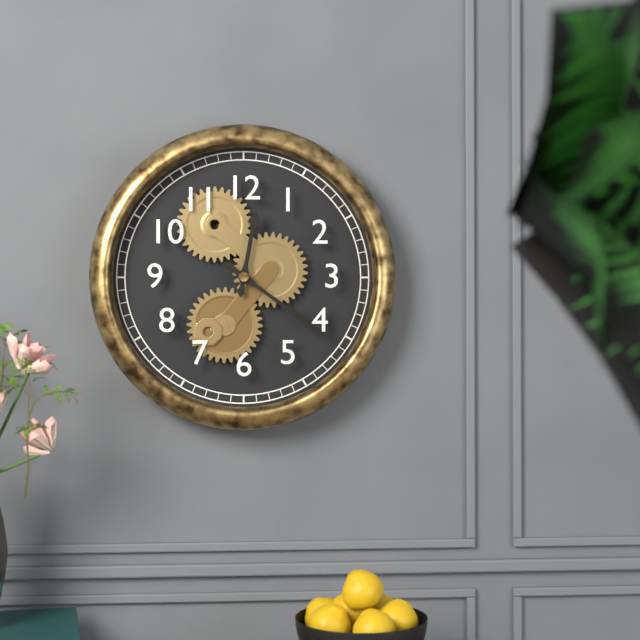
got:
12:21
